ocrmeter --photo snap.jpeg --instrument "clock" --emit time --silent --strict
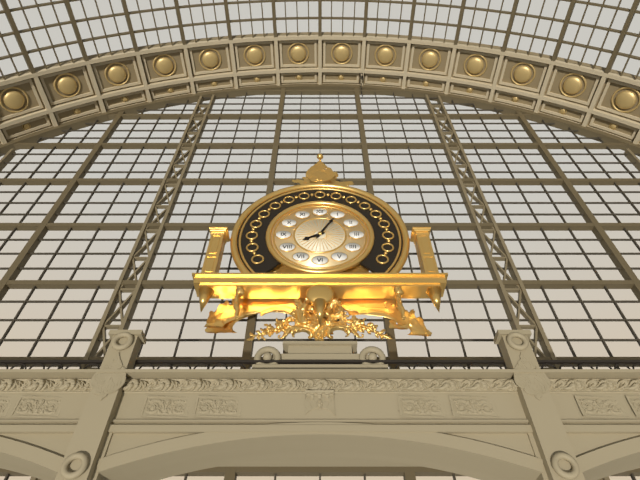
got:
8:05
